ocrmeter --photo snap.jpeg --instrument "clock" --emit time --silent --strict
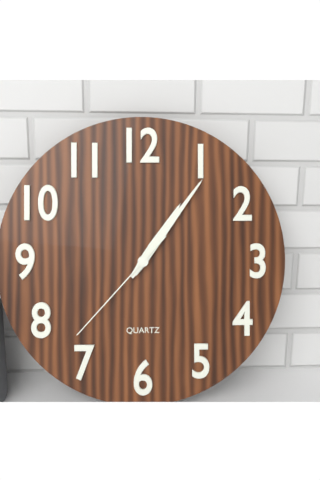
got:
1:06:37
